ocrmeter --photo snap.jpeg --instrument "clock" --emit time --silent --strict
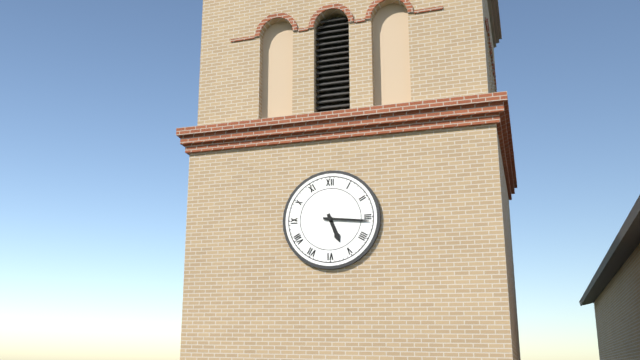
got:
5:16
